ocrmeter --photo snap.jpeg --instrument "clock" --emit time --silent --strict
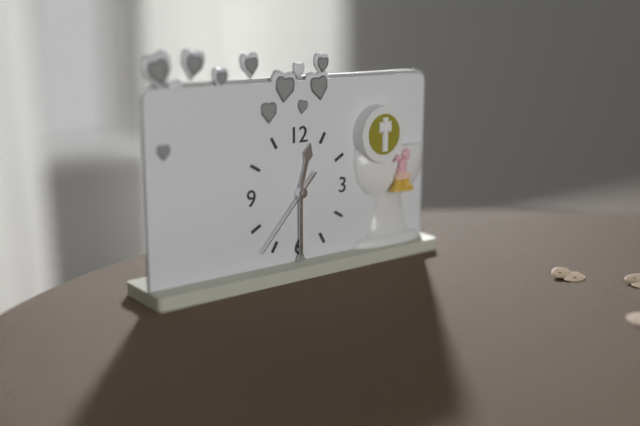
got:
12:30:37
